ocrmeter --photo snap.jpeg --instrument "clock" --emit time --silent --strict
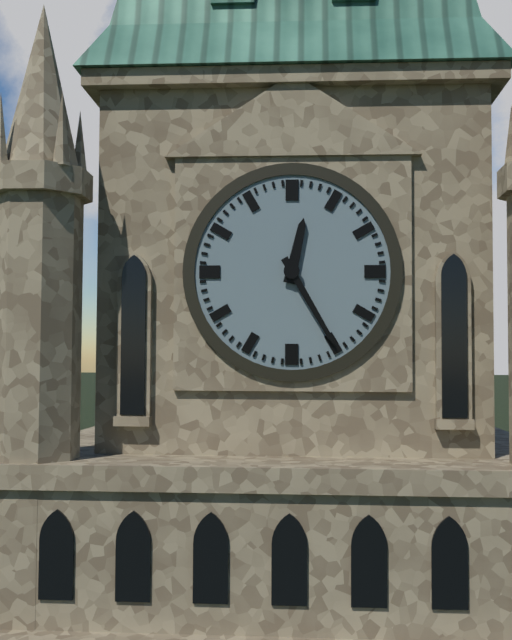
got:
12:25
